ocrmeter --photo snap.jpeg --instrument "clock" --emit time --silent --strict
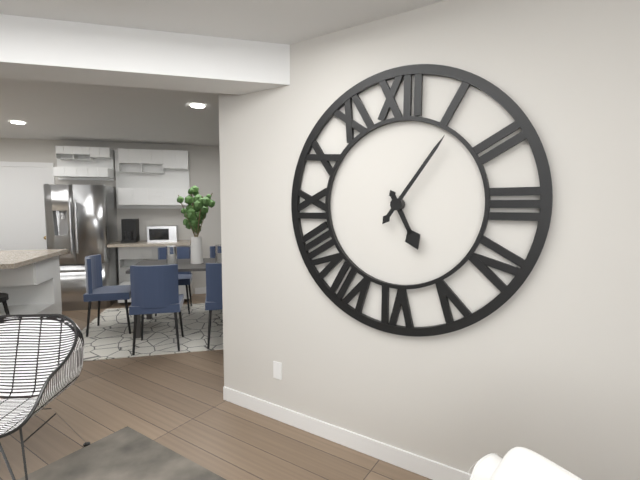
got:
5:06
